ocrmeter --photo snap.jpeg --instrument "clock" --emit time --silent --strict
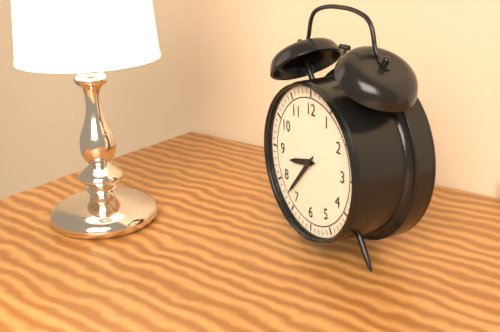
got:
8:37
